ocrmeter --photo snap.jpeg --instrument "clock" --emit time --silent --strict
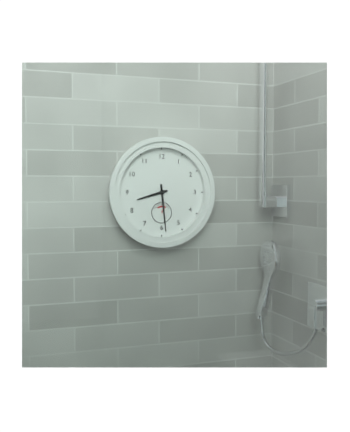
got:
8:29
